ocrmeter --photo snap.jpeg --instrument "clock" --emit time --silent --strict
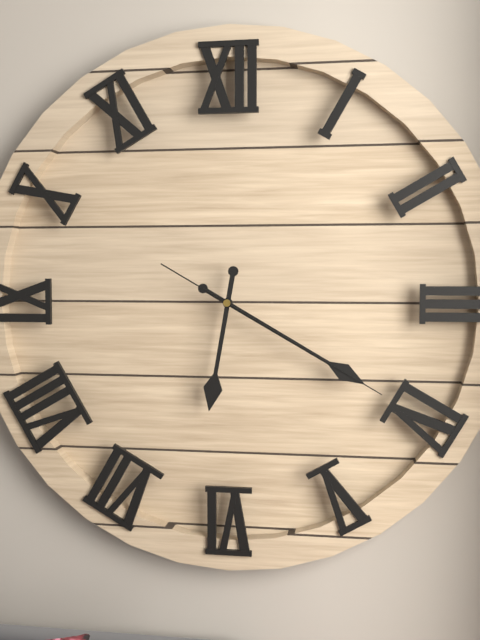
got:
6:20:20
